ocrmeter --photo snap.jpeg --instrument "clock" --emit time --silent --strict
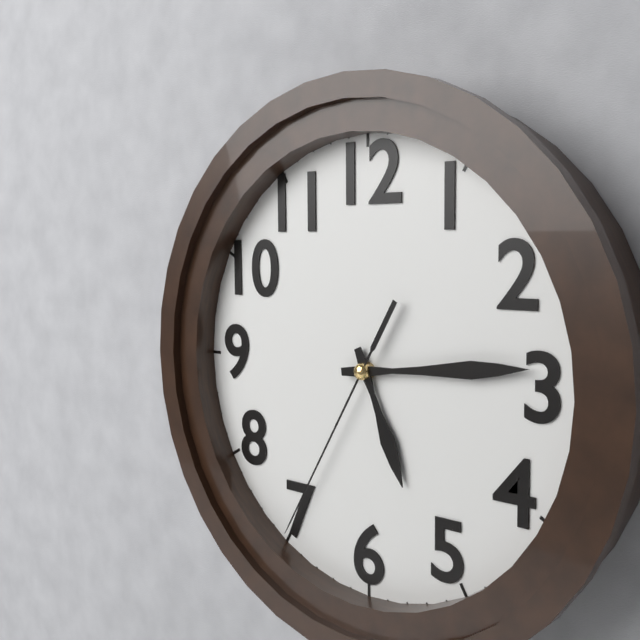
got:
5:14:35
